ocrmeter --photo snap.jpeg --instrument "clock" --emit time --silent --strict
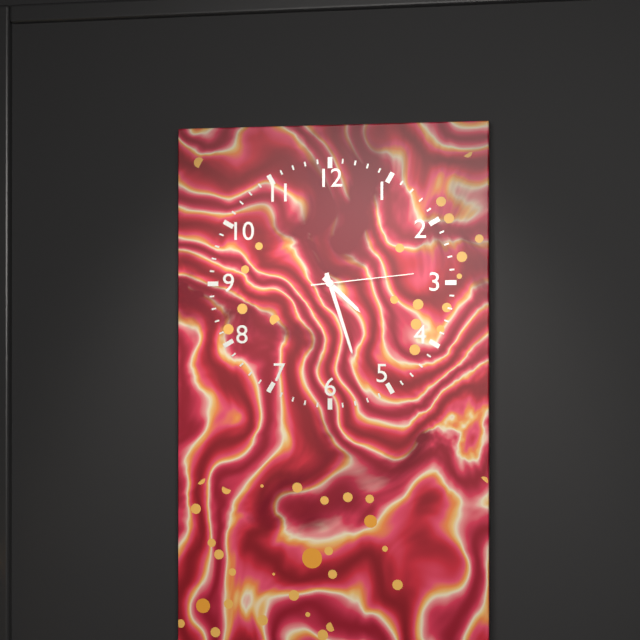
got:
4:27:14
